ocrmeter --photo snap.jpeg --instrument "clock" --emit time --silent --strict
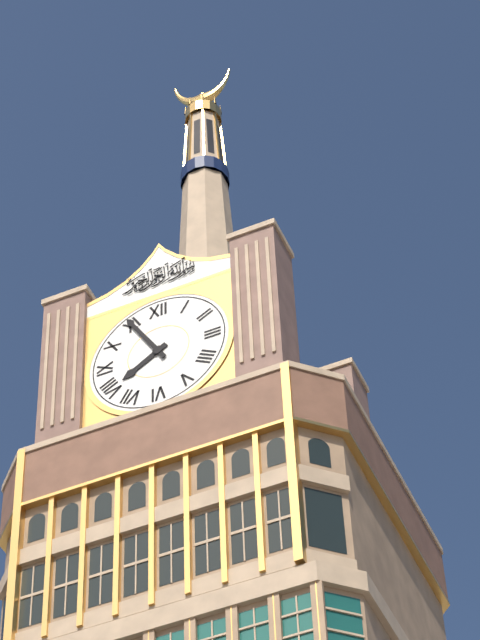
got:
7:55
